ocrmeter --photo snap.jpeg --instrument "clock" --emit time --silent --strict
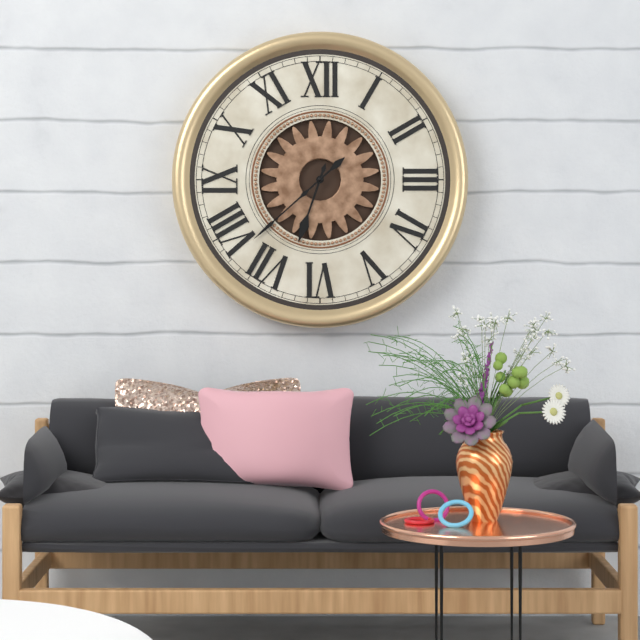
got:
6:38
